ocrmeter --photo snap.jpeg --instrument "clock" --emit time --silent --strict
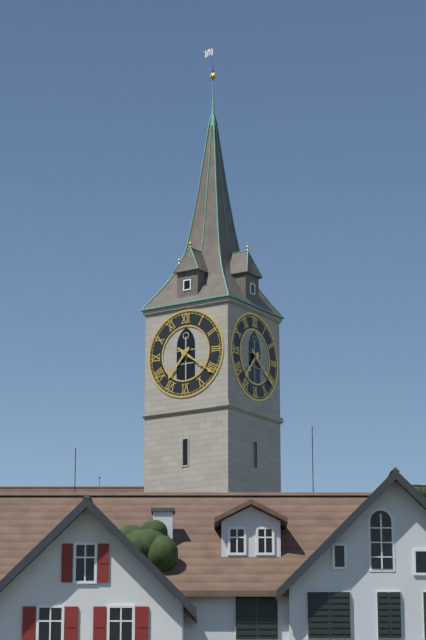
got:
7:21
